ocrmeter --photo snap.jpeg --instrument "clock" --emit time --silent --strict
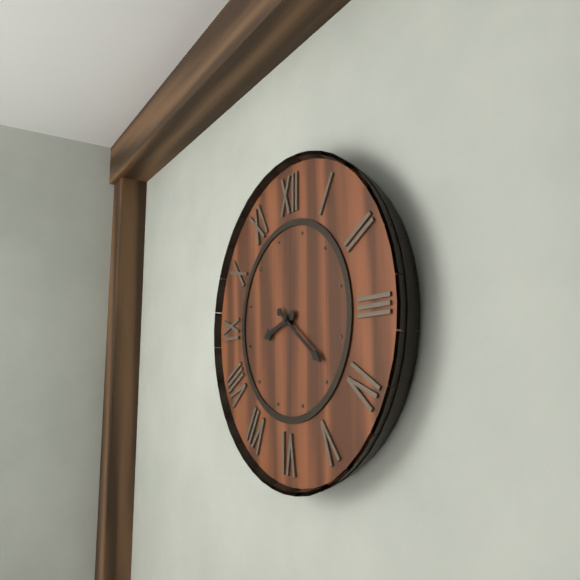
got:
8:21
